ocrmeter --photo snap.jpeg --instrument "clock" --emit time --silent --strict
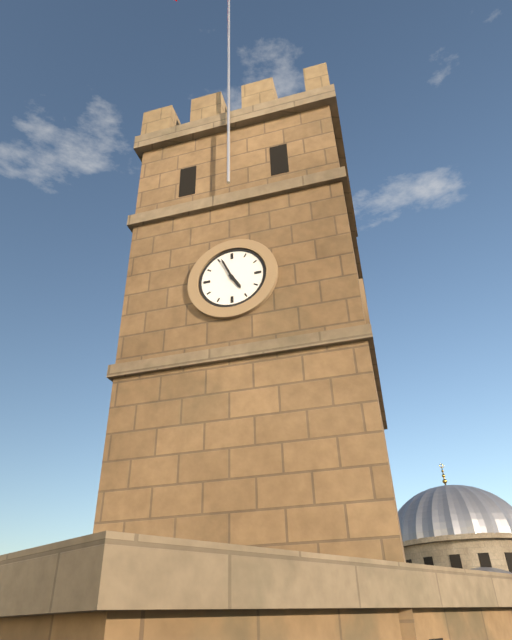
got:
4:56
